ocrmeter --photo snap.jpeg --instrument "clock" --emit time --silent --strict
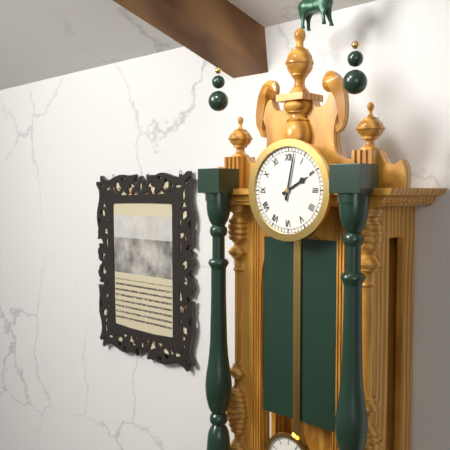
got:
2:02
